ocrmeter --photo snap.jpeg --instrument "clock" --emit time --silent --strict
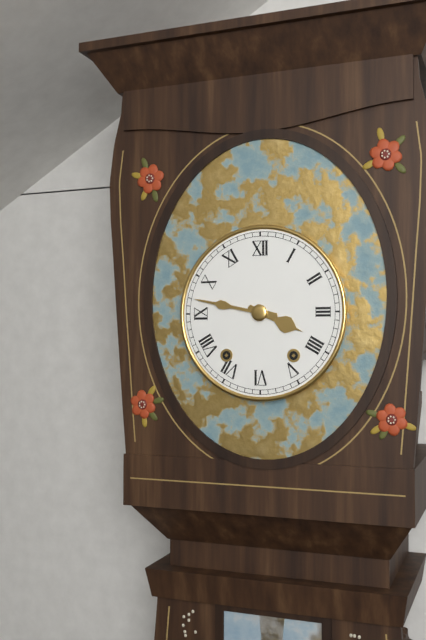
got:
3:47
